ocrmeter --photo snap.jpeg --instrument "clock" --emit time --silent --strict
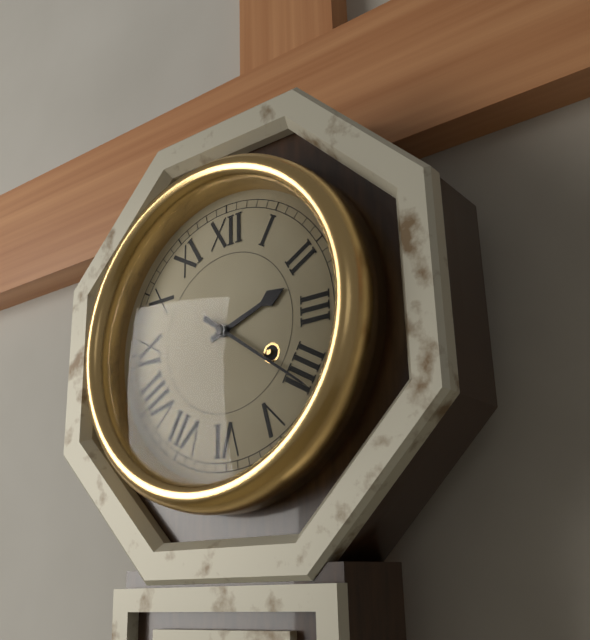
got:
2:21
